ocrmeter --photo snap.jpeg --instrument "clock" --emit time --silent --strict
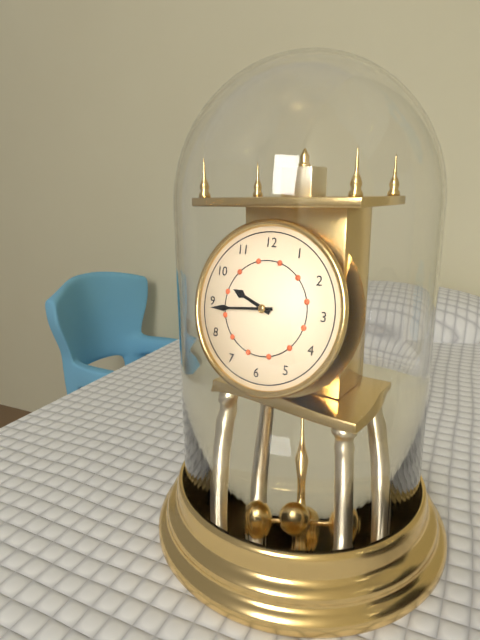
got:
9:44
